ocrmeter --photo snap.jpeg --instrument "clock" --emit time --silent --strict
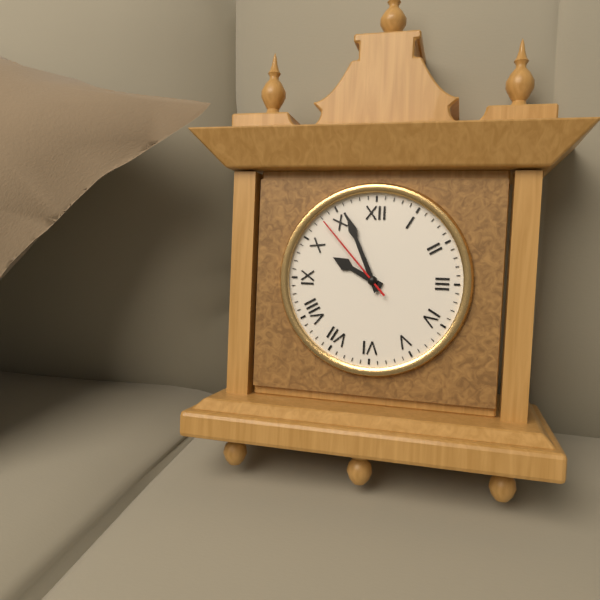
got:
9:56:53
